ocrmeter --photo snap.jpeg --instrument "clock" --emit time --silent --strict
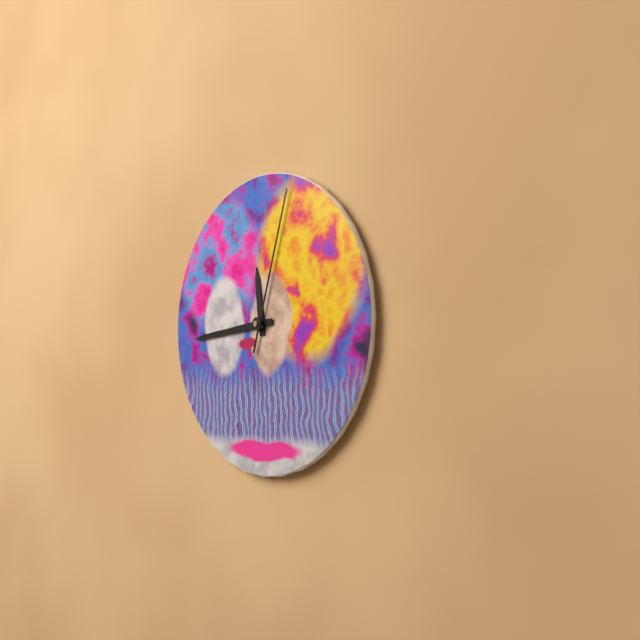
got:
11:44:03
